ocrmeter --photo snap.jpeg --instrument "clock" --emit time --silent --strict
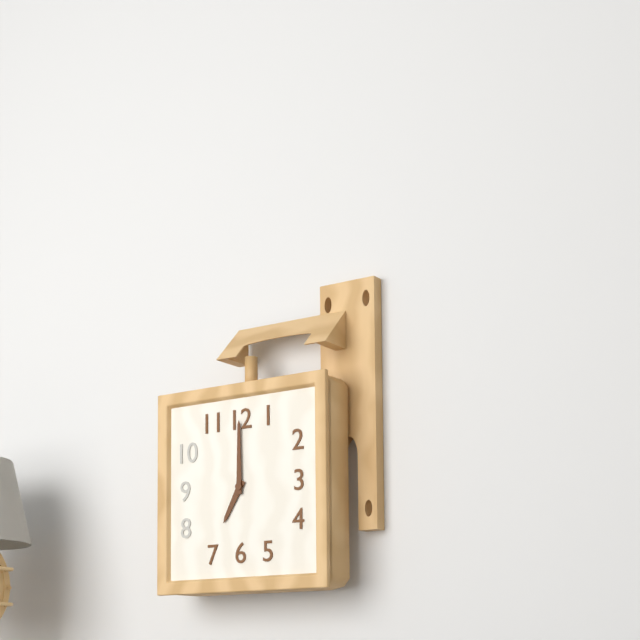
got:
7:00
